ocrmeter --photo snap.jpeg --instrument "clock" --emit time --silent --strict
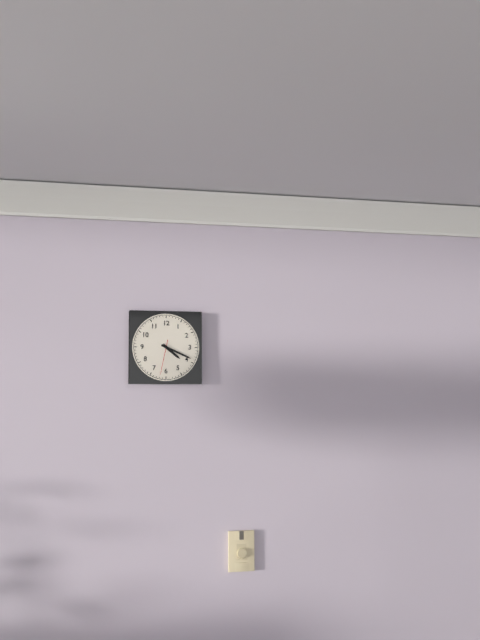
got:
4:19
